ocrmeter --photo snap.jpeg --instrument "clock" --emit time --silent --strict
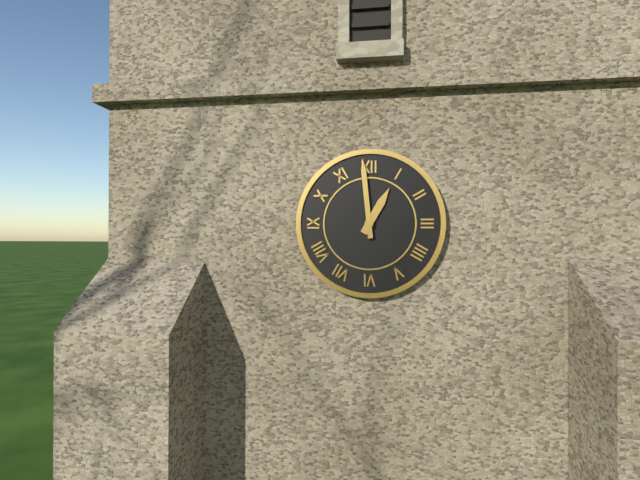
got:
12:59
